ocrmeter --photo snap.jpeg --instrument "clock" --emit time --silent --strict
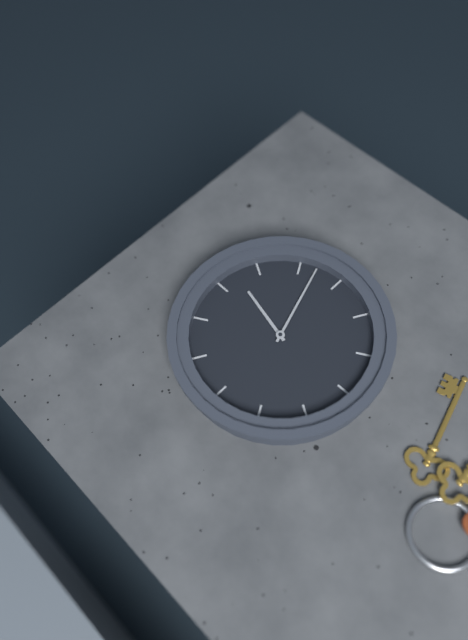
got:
3:27
